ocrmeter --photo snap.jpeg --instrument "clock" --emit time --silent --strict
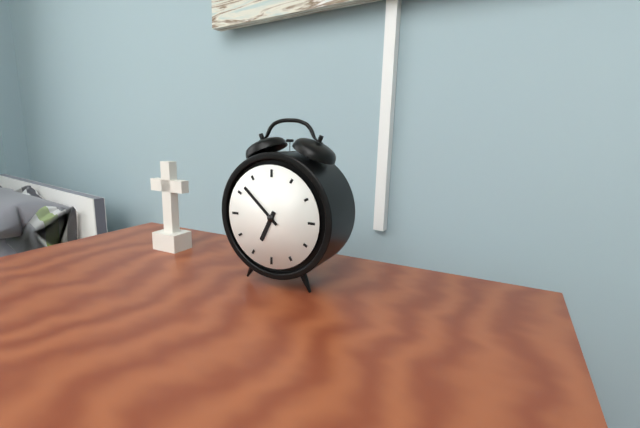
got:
6:52
